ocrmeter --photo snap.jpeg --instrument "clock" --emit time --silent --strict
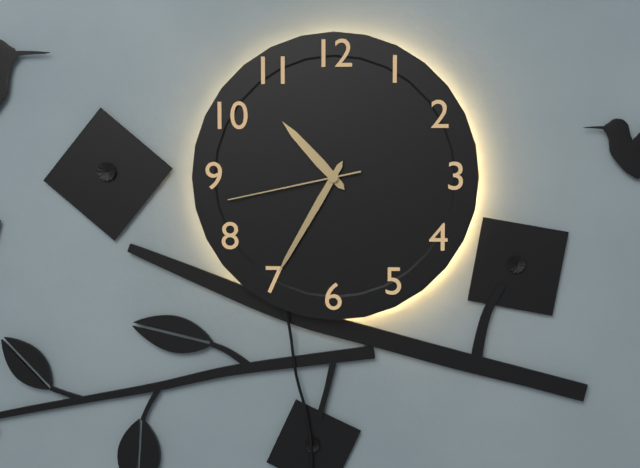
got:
10:35:43
